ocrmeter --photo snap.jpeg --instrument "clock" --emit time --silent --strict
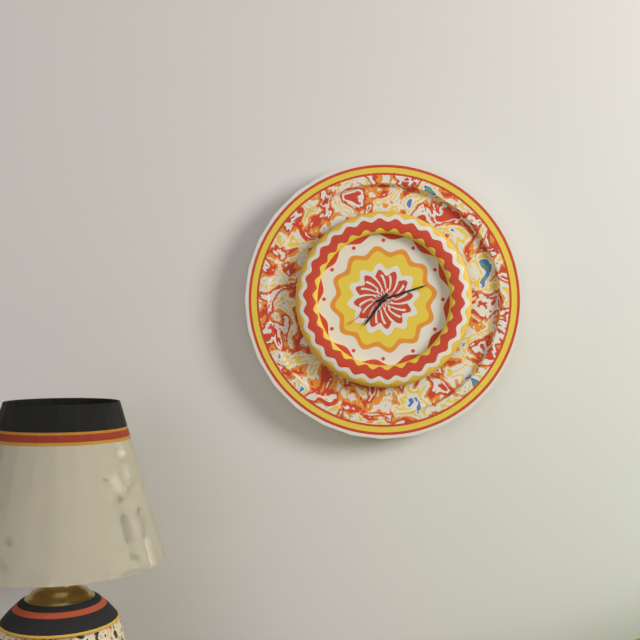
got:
7:12:39
